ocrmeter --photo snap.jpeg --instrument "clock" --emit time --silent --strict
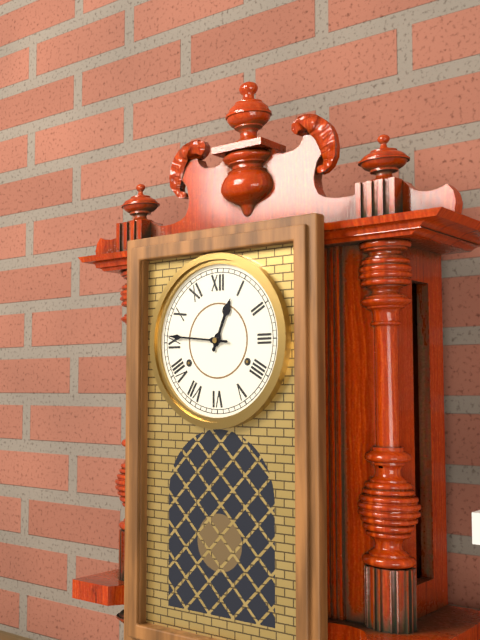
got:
12:46
